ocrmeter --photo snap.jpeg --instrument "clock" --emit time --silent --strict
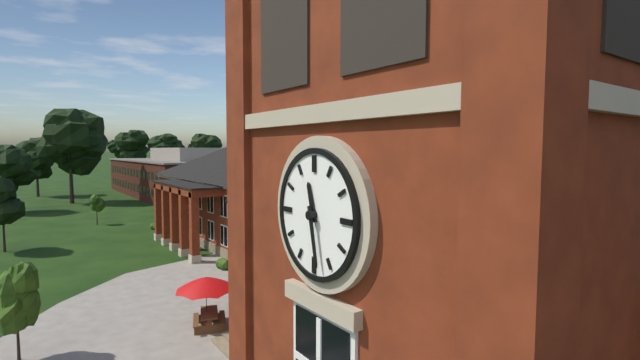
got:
11:28
